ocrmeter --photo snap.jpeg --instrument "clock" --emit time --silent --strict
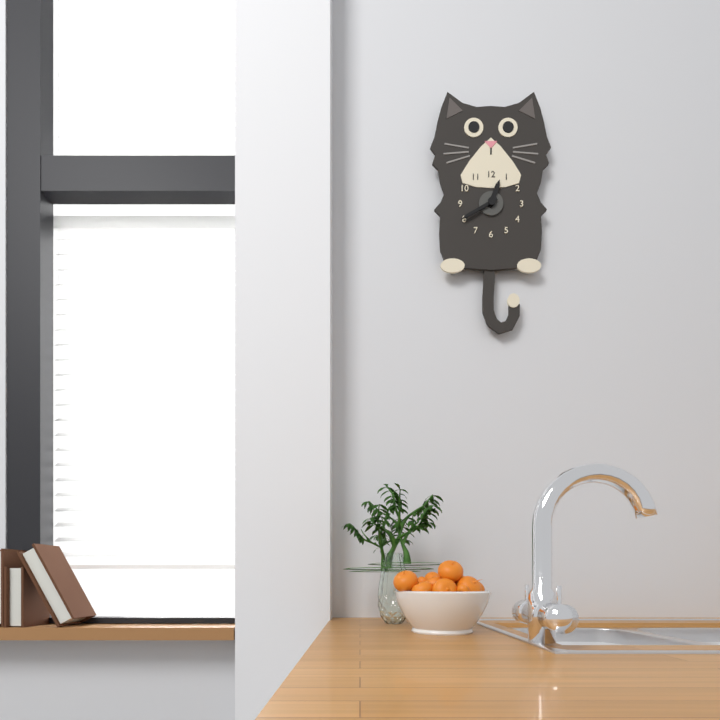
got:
12:40
